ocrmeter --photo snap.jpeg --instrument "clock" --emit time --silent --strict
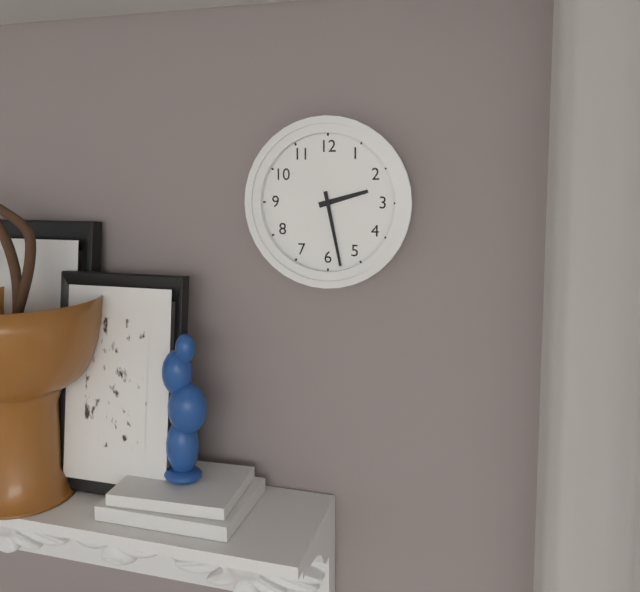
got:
2:28
